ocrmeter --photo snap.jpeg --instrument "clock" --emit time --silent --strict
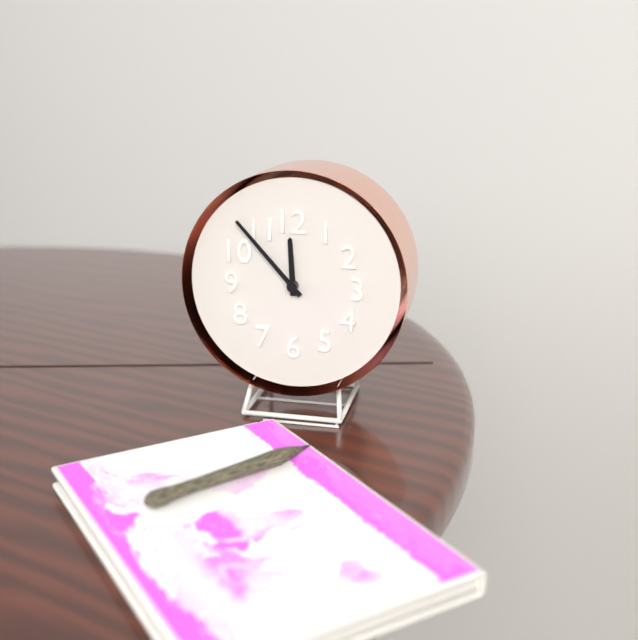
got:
11:53
